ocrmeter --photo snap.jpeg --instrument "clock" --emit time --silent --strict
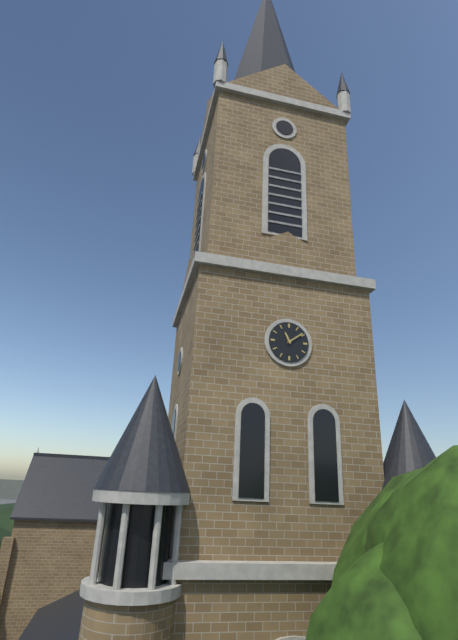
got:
11:09
